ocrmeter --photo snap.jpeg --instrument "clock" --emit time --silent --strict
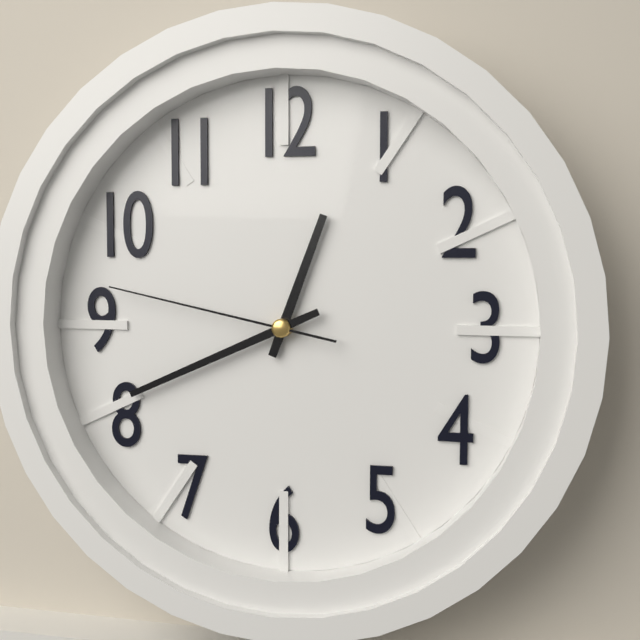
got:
12:41:47
